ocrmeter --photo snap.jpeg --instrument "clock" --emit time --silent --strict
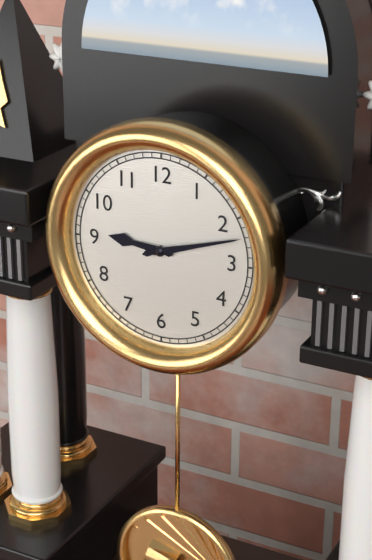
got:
9:12
